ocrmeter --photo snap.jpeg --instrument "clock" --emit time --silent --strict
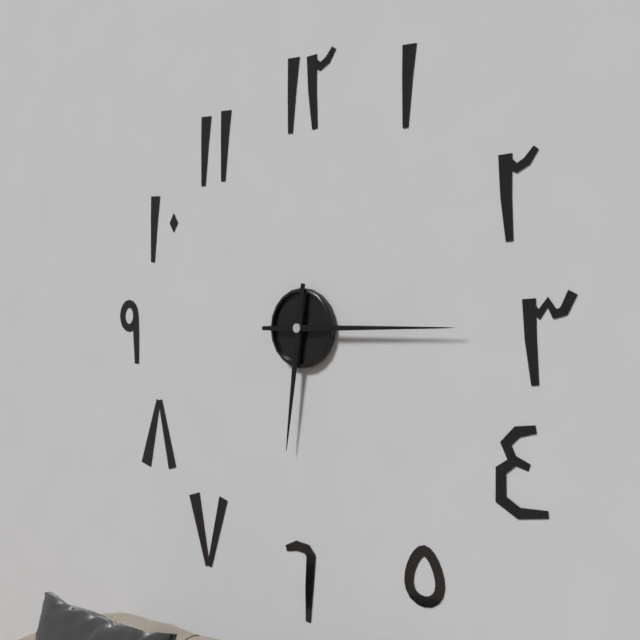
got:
6:15
